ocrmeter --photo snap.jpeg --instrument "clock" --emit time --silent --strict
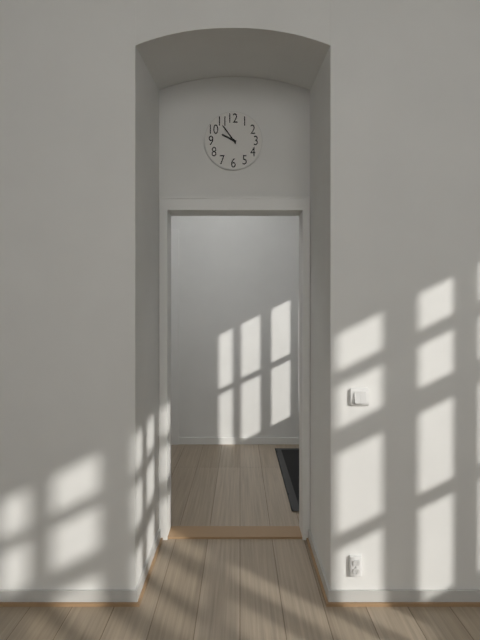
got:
9:54
